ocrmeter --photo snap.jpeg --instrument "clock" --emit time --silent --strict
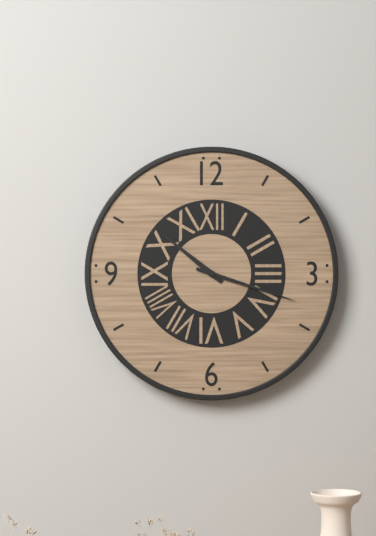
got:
10:18
